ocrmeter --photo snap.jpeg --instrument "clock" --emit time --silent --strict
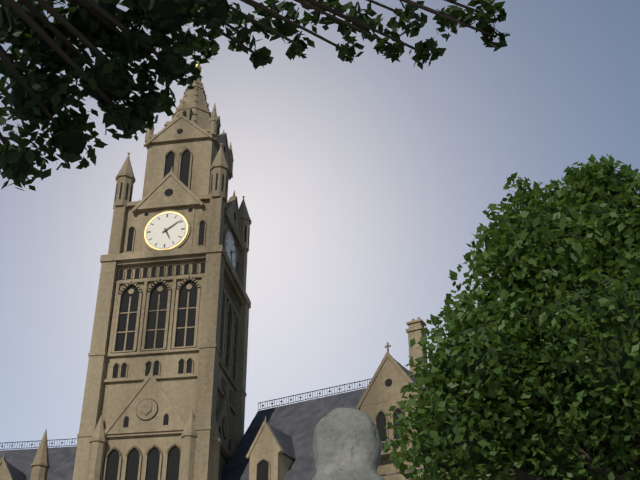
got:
5:09
